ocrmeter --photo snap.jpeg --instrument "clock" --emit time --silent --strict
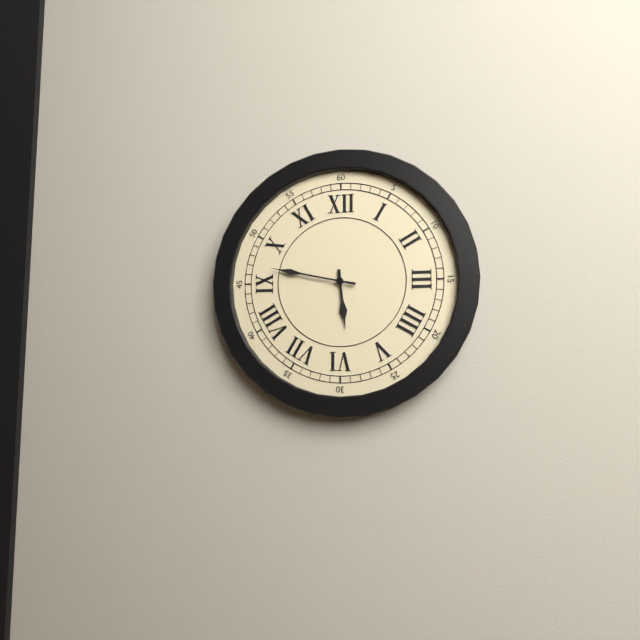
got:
5:47
